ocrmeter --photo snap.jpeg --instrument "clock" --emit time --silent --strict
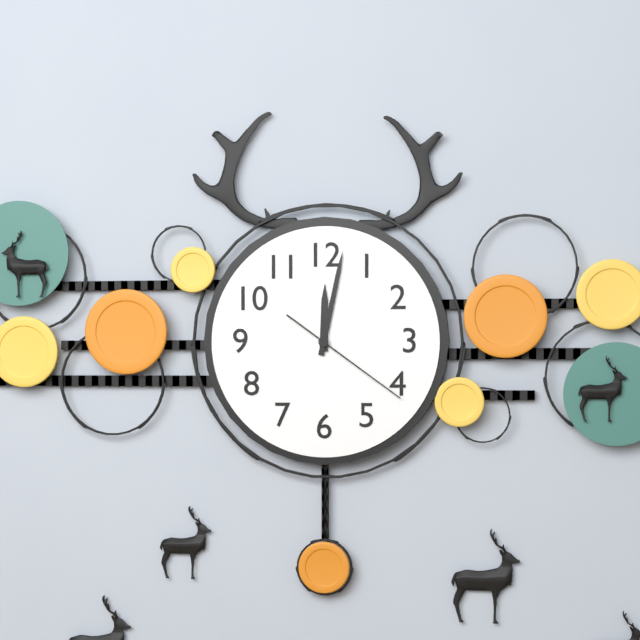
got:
12:02:21
